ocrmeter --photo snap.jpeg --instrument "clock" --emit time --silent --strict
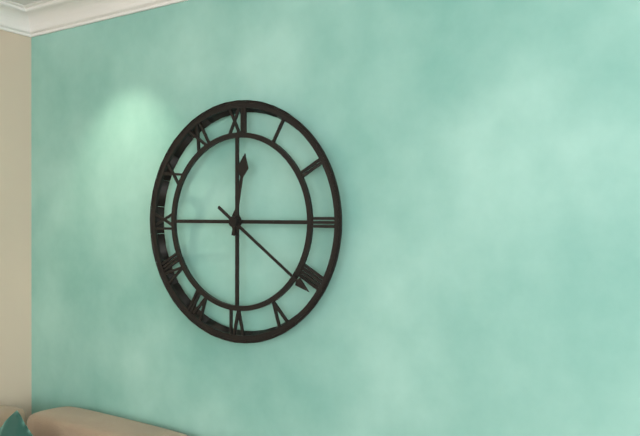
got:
12:21
